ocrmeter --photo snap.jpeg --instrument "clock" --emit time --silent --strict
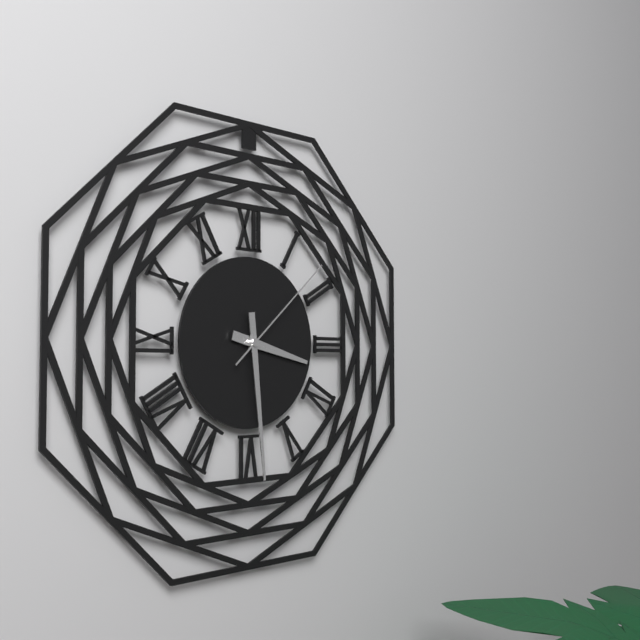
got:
3:29:08
